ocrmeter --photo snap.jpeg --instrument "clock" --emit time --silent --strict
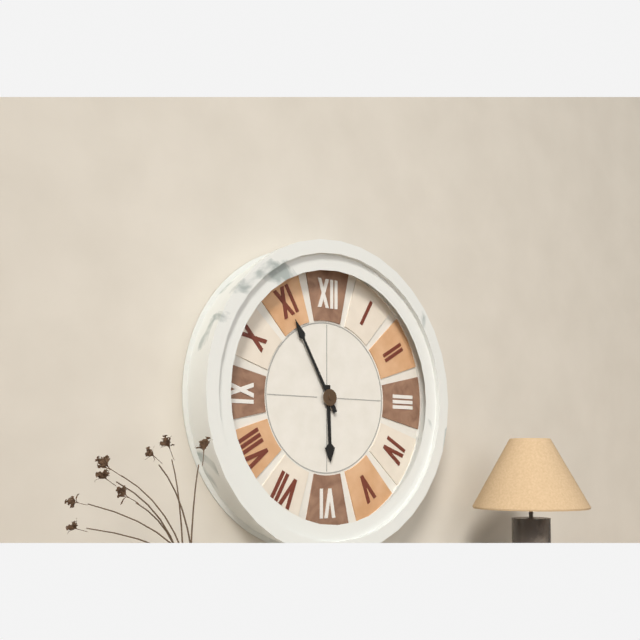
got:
5:55
